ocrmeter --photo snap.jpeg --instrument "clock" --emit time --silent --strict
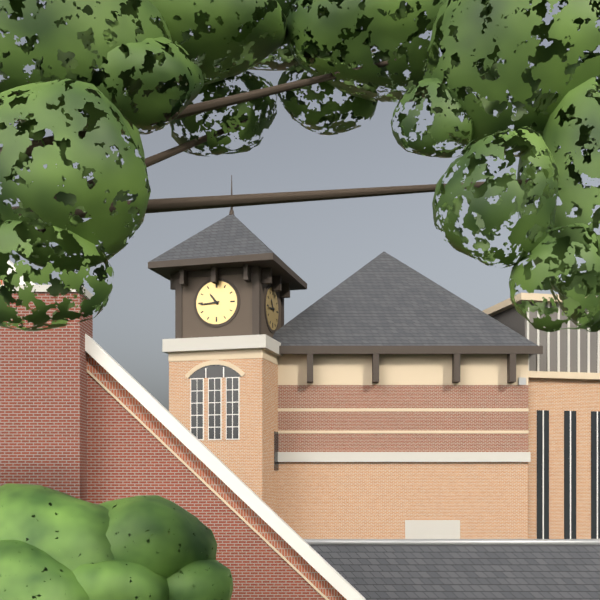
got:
10:44
